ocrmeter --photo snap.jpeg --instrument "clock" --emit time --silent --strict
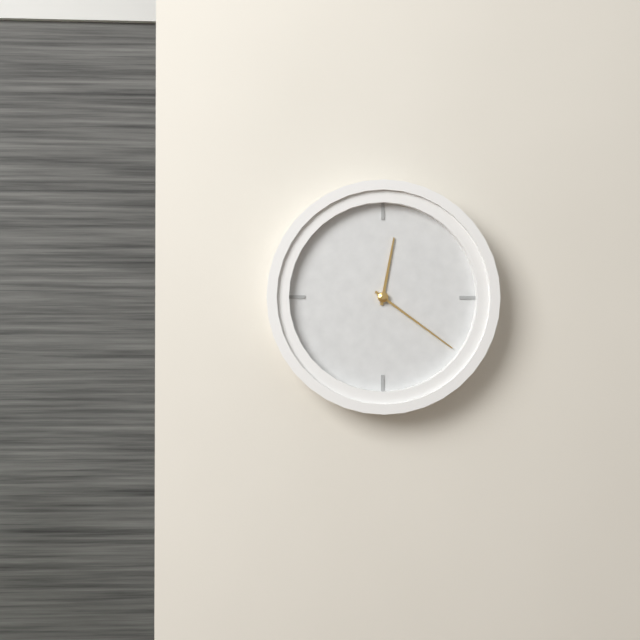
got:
12:21
